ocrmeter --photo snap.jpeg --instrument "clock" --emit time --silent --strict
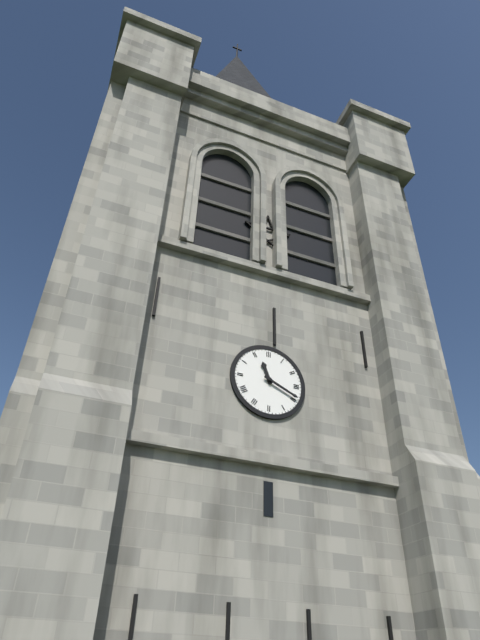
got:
11:19
